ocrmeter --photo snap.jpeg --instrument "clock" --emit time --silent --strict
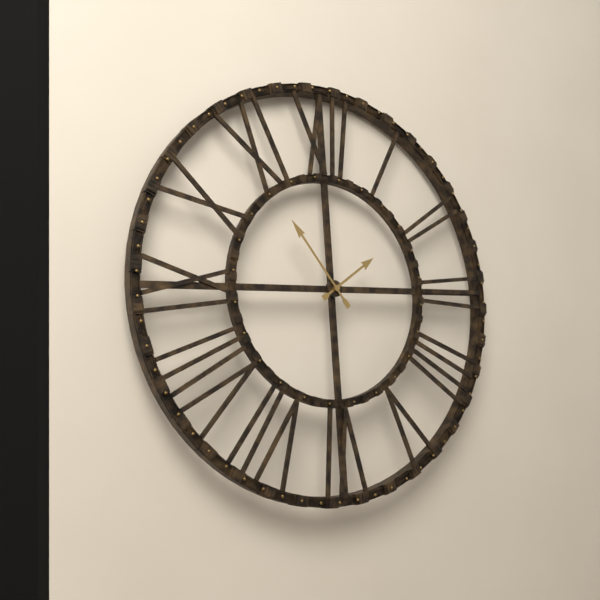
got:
1:54
